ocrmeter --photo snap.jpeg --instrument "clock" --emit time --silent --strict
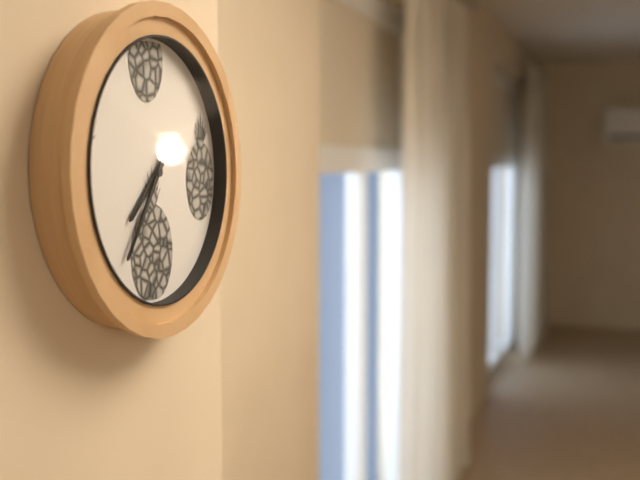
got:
7:36
